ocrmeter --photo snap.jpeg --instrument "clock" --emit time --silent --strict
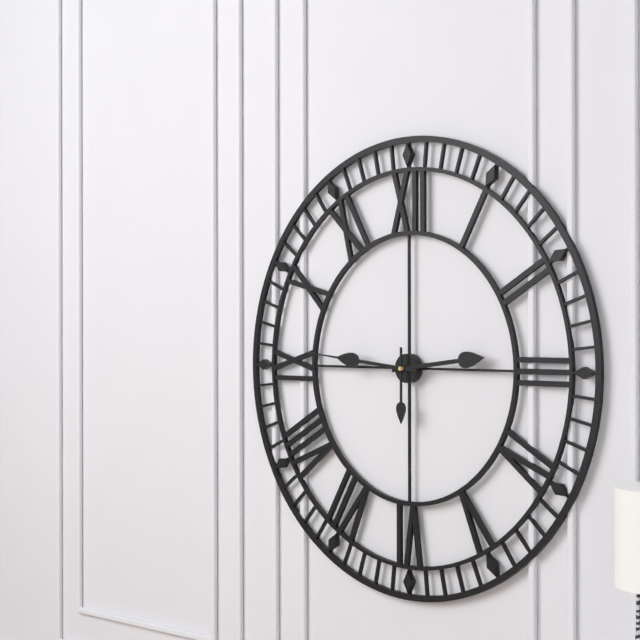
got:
2:46:30
